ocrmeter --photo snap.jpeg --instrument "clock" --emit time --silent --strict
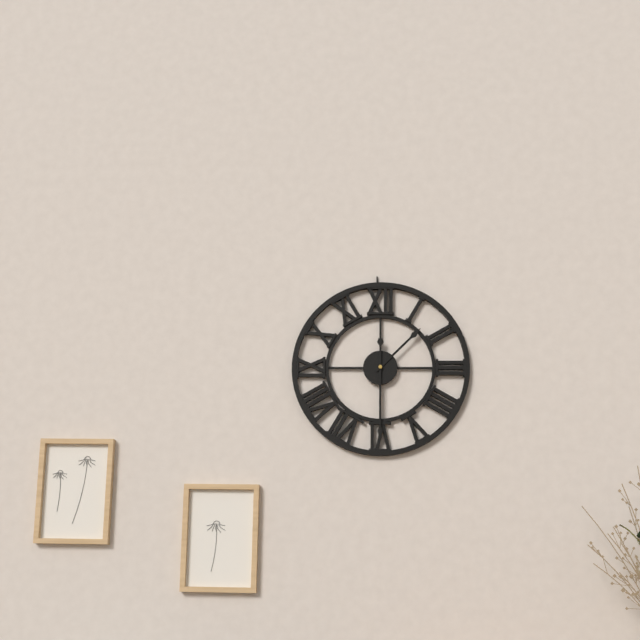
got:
1:30
